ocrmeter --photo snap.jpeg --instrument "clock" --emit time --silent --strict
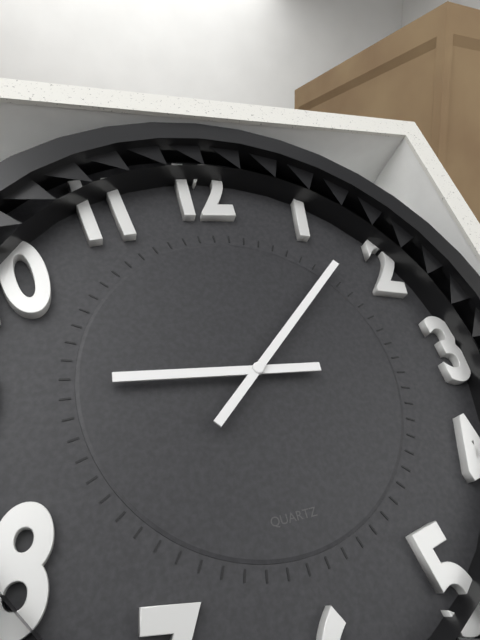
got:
9:08
